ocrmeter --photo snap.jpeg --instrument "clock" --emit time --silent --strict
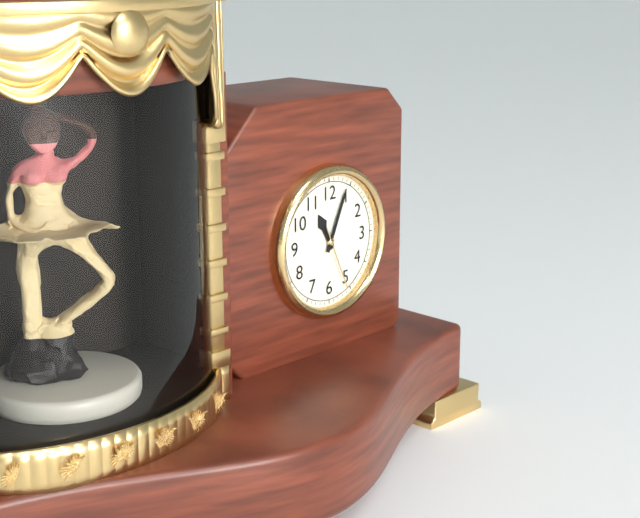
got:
11:04:26
